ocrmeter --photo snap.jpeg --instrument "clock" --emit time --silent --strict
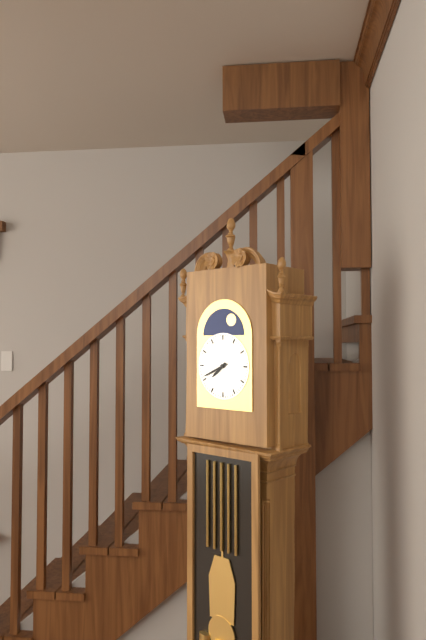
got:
7:41
